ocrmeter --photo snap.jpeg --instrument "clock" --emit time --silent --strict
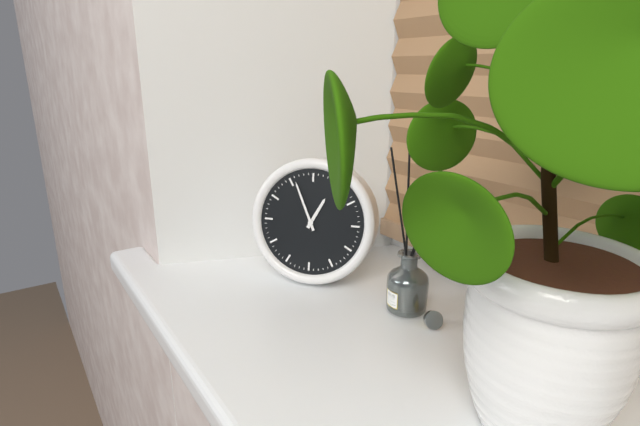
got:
12:56
